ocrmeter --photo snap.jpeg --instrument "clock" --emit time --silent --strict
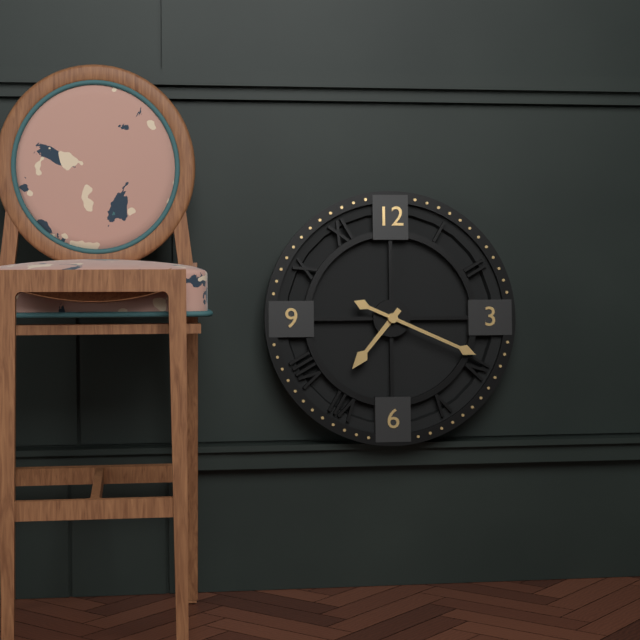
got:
7:19
